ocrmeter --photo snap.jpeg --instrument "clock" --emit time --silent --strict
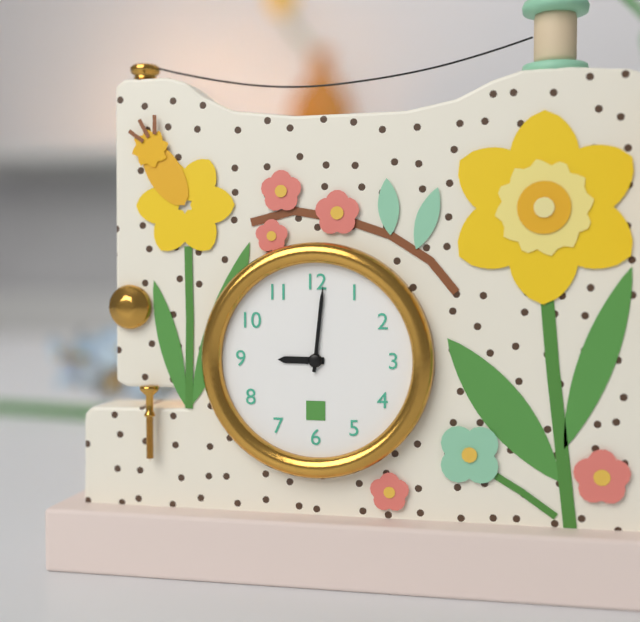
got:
9:01
